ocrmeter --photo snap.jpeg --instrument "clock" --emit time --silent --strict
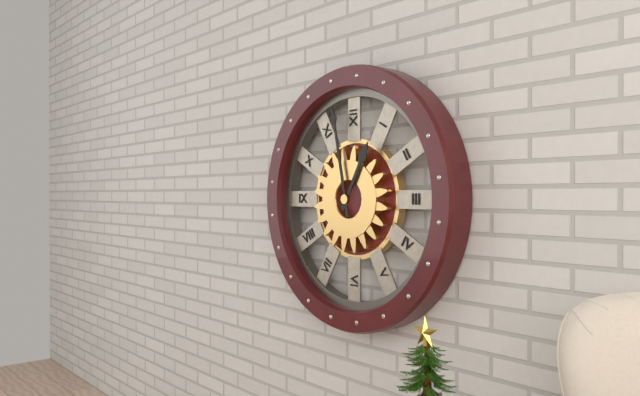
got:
12:58
